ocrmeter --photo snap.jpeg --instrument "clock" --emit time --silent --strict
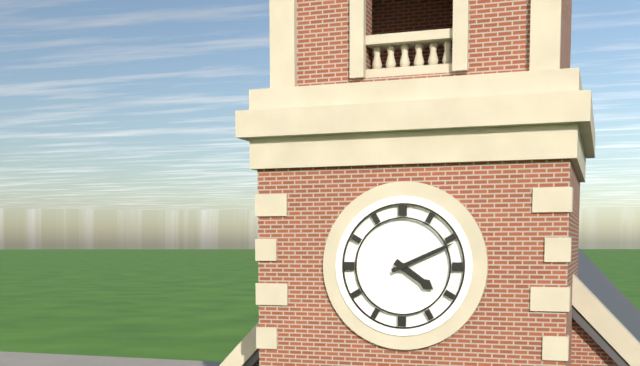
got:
4:11
